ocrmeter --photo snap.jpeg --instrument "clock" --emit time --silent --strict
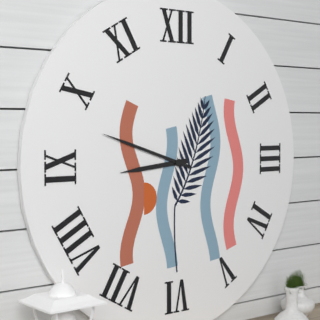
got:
8:48
